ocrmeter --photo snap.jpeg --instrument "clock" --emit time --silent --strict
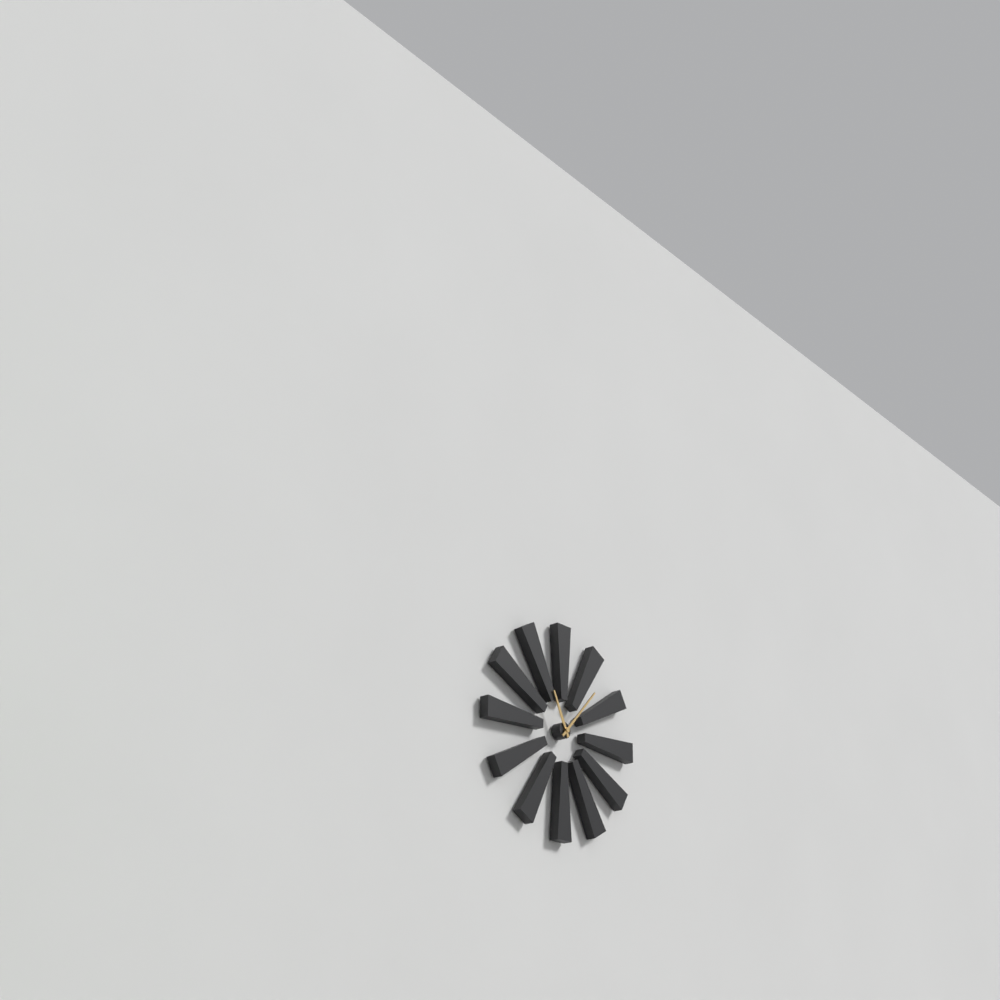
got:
11:07
